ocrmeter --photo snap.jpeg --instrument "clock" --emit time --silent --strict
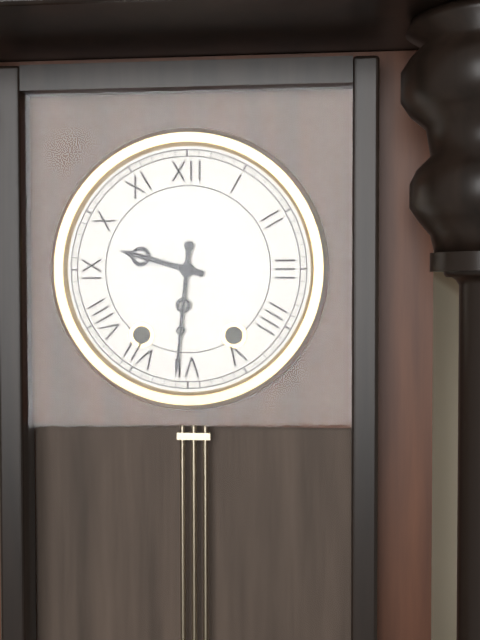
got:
9:31
